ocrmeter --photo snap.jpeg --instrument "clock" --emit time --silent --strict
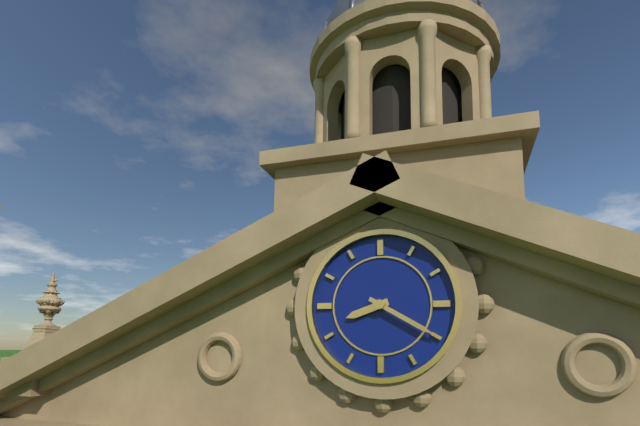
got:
8:20
